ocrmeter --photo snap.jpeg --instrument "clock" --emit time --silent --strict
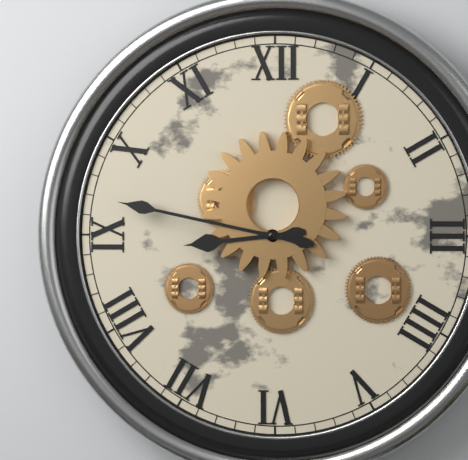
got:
8:47
